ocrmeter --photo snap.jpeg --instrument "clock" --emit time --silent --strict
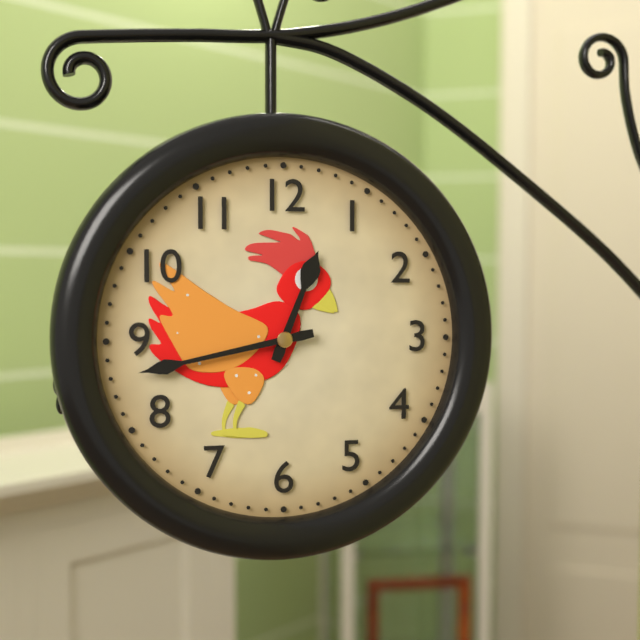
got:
12:43
